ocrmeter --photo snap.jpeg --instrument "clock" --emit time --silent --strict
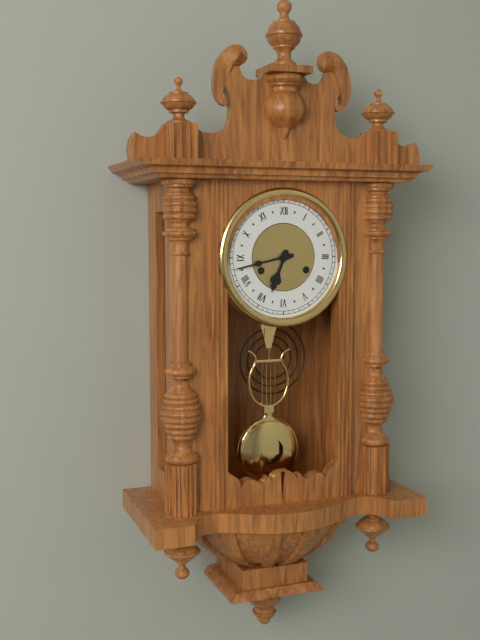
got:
6:43
